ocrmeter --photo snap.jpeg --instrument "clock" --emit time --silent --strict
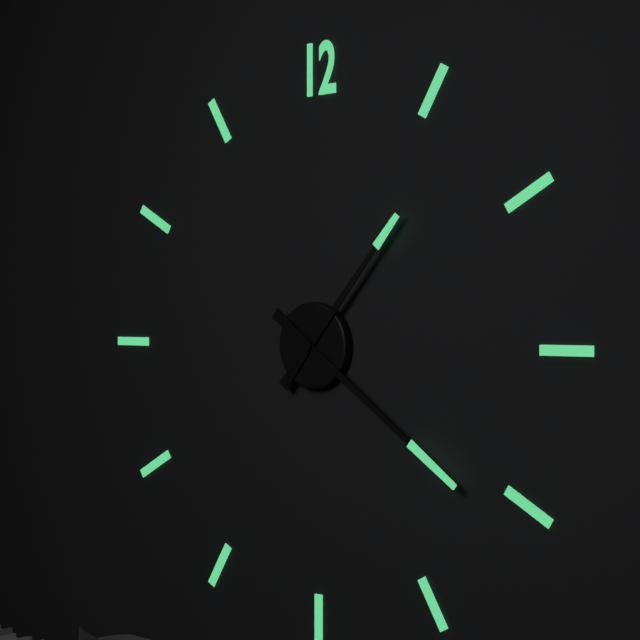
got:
1:21
